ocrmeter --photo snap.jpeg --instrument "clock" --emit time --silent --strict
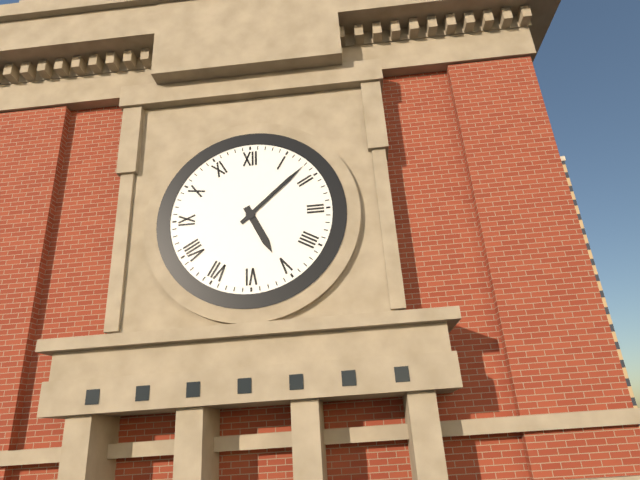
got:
5:08
